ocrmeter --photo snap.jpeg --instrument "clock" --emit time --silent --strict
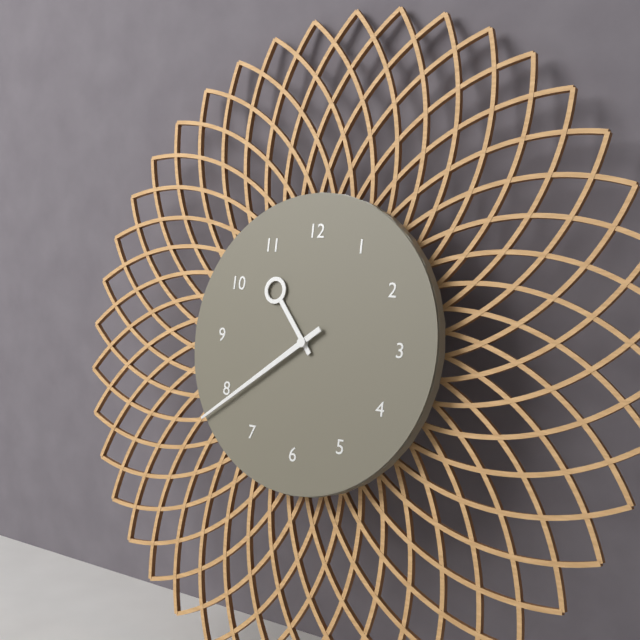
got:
10:39
